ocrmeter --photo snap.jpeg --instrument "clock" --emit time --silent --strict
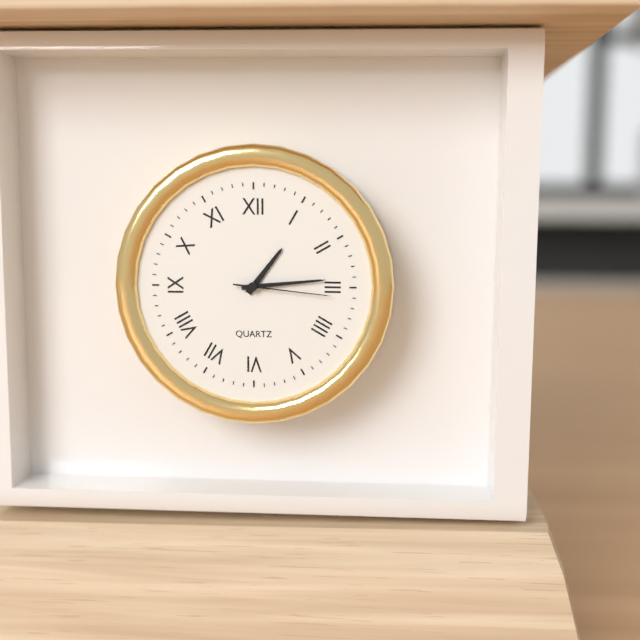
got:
1:14:16
